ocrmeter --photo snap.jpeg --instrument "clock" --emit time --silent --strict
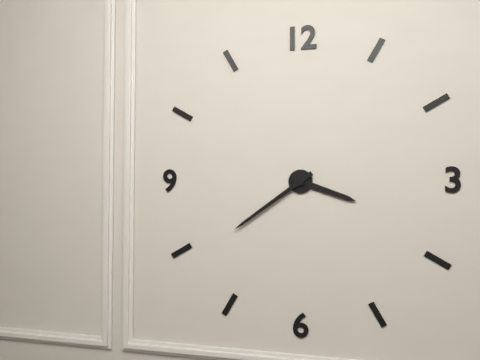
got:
3:39
